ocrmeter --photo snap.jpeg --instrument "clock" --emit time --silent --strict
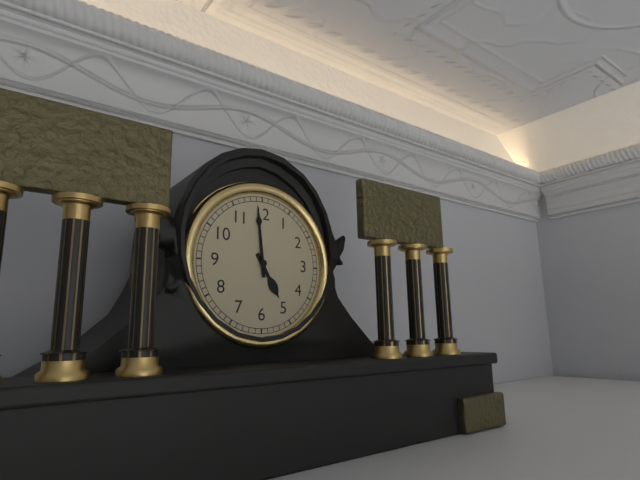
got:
4:59
